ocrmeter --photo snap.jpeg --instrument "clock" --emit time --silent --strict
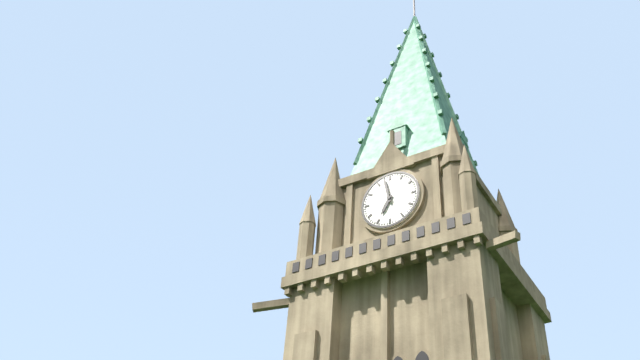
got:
6:58
